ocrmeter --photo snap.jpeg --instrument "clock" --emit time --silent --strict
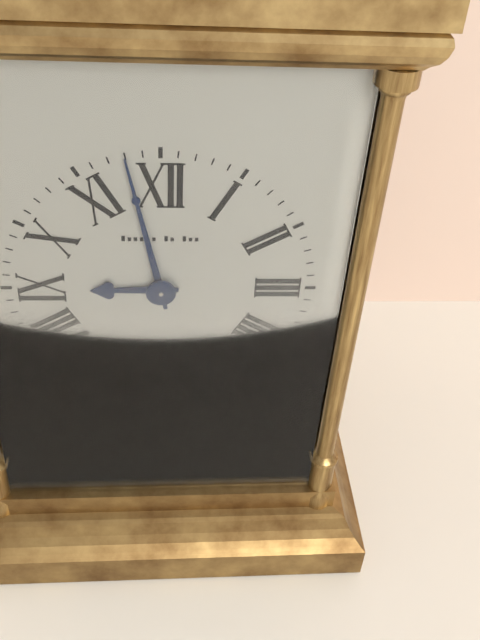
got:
8:58
